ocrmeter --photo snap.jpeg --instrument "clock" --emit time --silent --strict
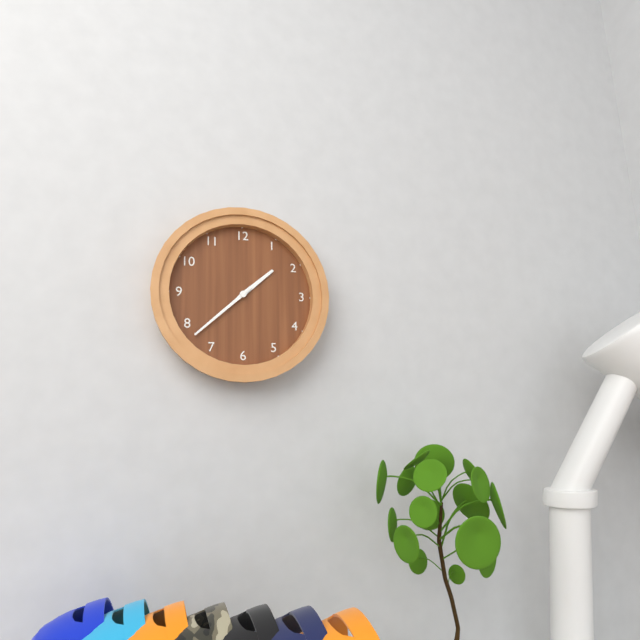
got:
1:38
